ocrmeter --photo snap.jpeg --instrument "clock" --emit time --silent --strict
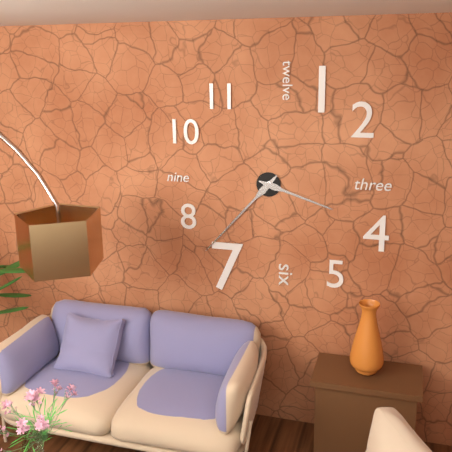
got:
3:37
